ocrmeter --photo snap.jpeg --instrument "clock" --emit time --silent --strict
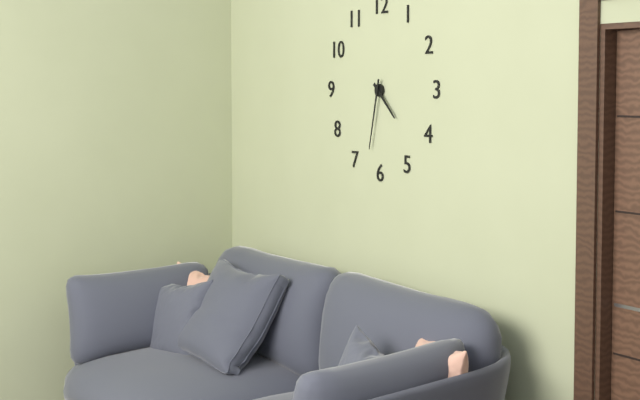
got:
4:32
